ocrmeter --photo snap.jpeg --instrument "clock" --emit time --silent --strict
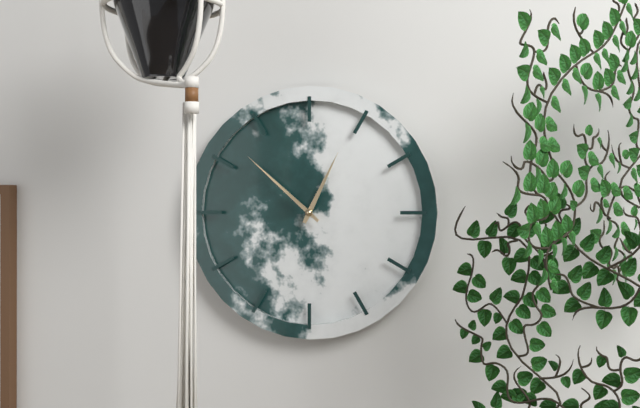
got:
12:52
